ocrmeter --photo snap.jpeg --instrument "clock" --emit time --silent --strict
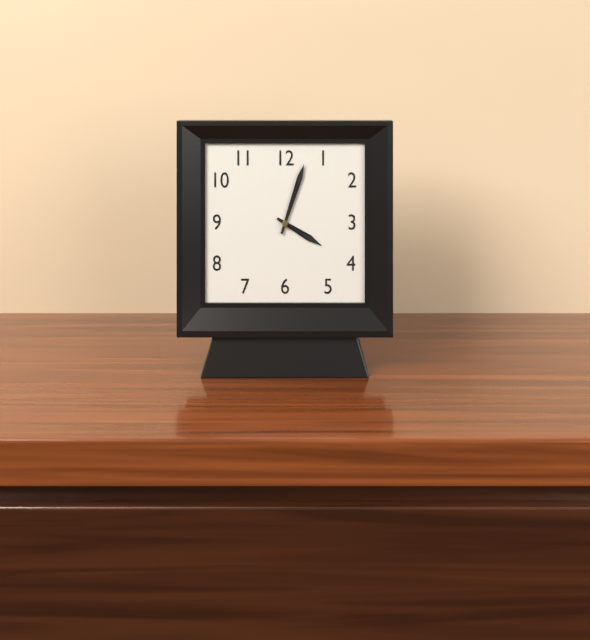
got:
4:03
